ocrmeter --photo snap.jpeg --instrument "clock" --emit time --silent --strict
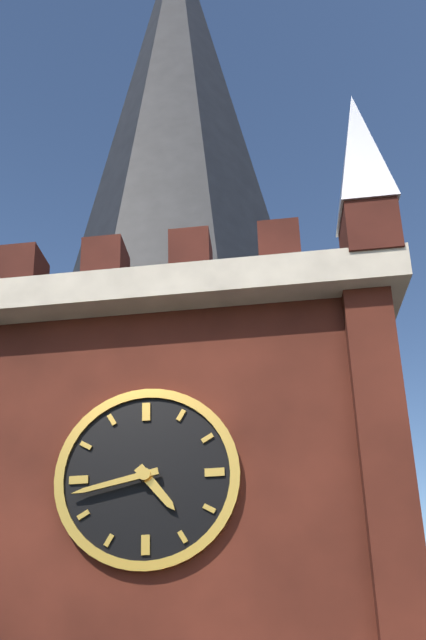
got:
4:43
